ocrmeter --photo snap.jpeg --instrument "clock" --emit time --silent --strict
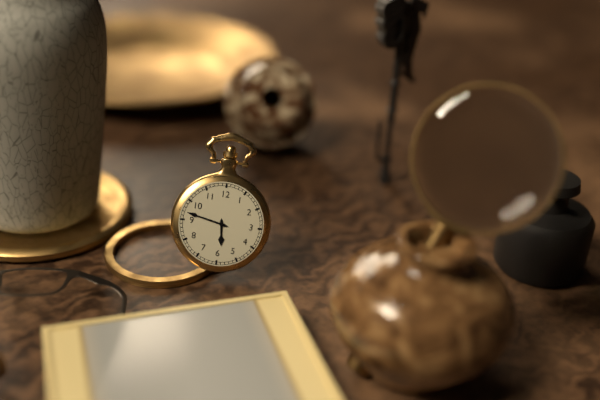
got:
5:47
